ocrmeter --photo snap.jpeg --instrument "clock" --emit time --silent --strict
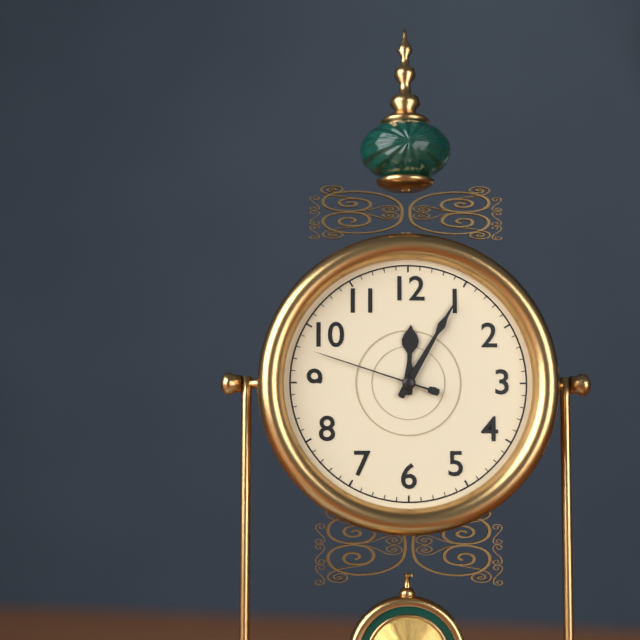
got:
12:05:48
